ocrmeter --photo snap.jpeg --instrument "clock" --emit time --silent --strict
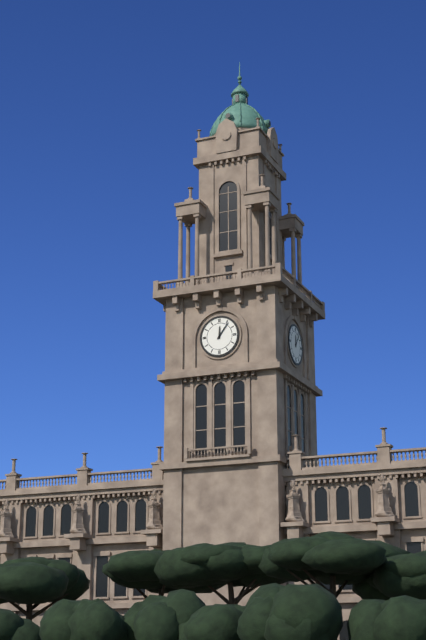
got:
12:06
